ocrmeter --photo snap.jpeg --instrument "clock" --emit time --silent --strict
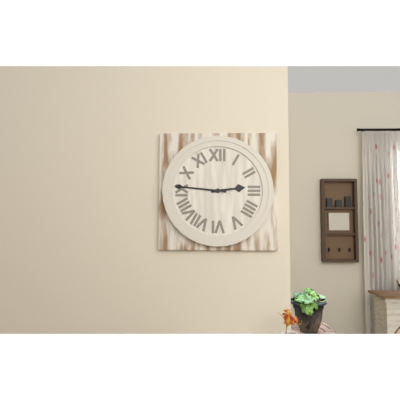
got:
2:46
